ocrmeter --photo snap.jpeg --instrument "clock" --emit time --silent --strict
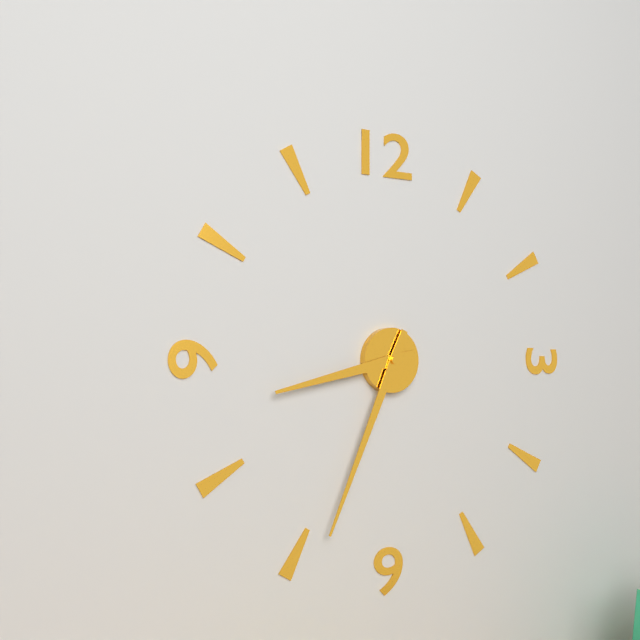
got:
8:34
